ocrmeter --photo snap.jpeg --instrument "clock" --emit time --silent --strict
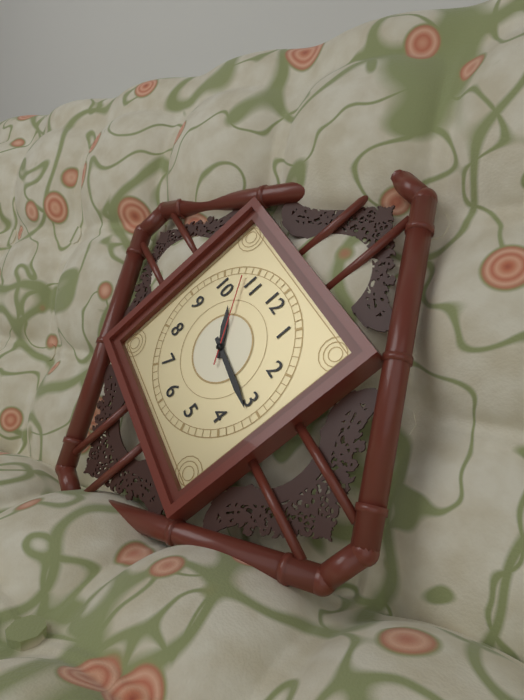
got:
10:16:53
